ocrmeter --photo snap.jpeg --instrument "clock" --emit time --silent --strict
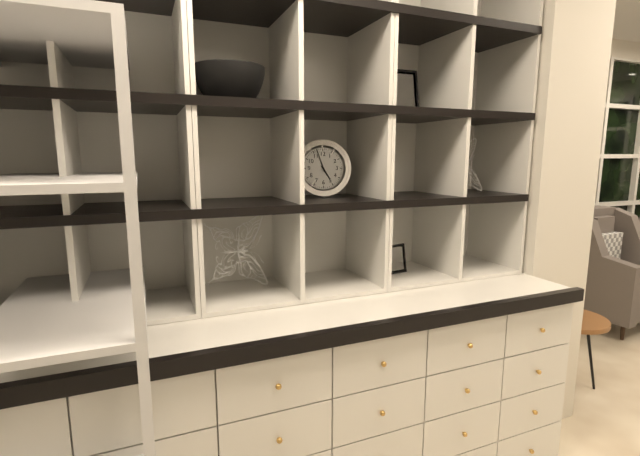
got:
4:57
